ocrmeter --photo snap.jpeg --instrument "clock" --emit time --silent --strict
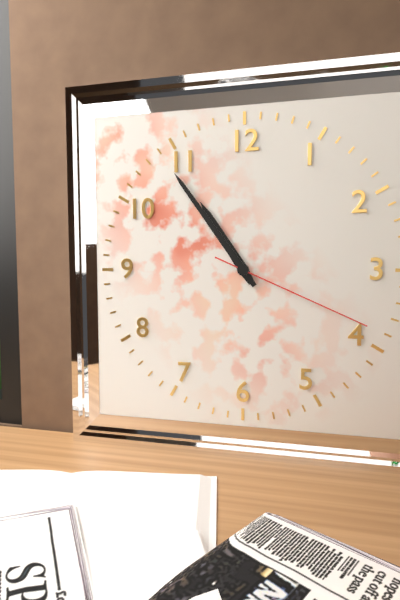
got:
10:54:19
